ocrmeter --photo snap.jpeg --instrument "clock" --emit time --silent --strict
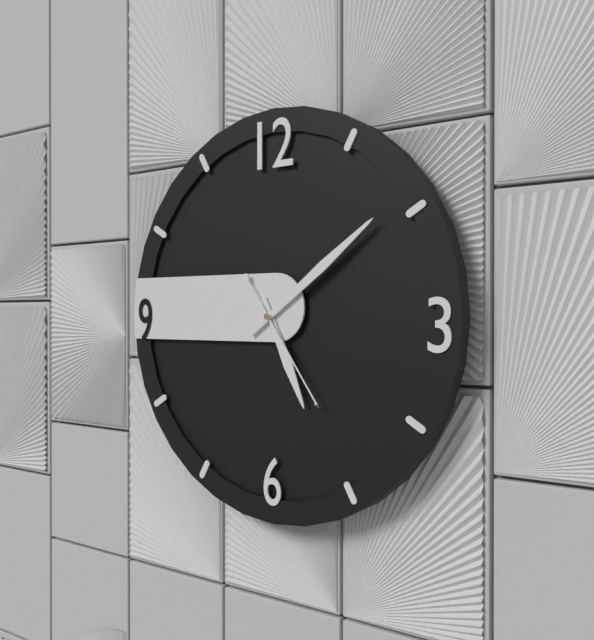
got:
5:09:24
